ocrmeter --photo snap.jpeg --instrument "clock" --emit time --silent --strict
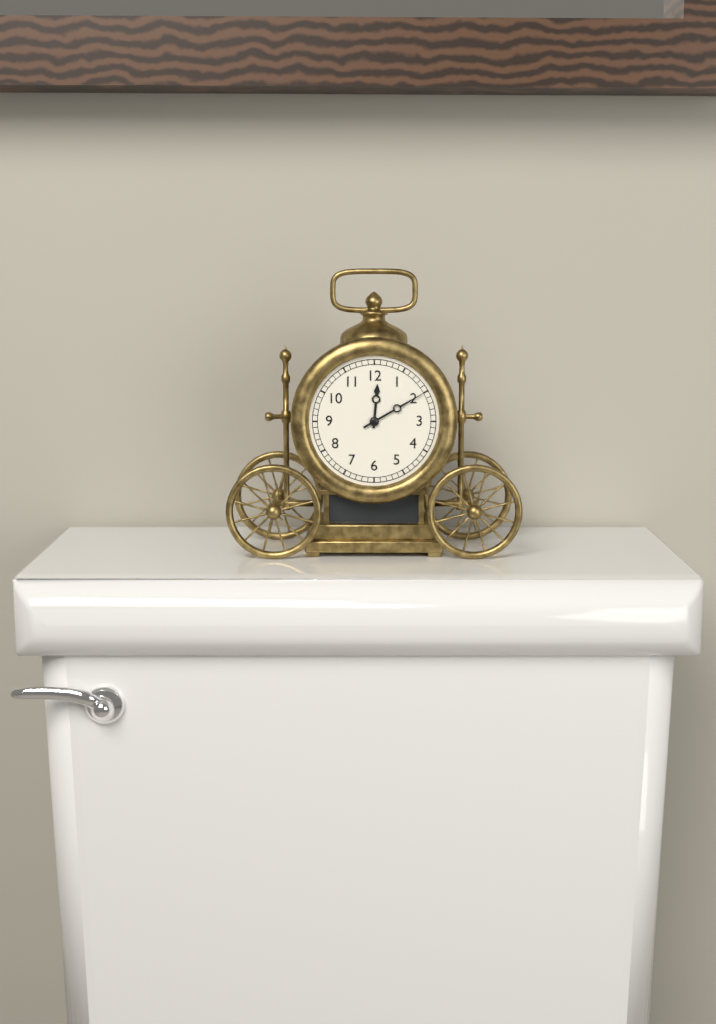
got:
12:10
